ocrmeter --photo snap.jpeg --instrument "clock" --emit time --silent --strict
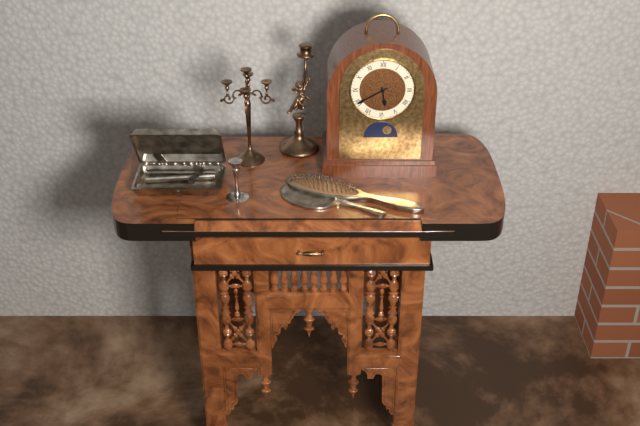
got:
5:40
